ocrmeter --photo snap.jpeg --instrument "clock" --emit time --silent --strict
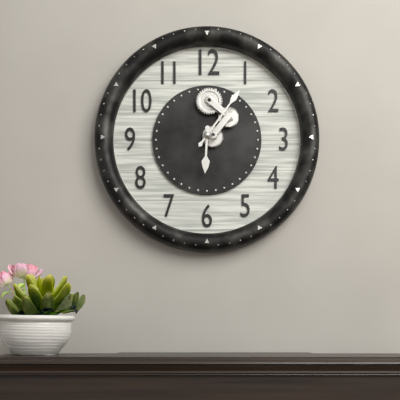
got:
6:06
